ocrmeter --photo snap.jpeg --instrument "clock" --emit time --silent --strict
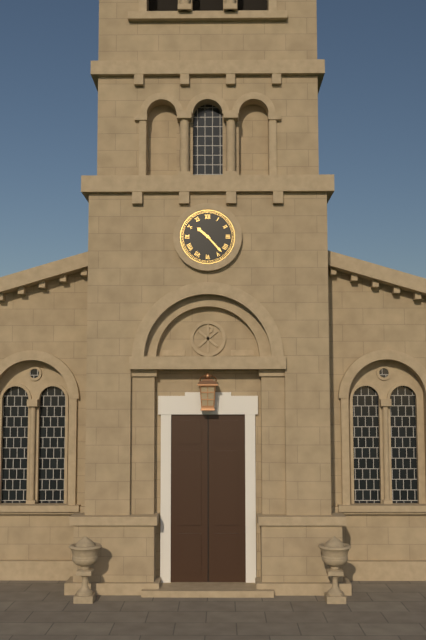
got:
10:23
